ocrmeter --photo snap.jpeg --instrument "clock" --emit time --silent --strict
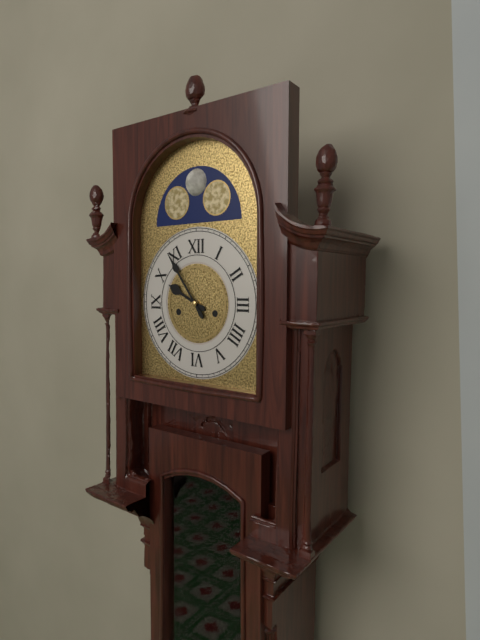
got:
9:54
